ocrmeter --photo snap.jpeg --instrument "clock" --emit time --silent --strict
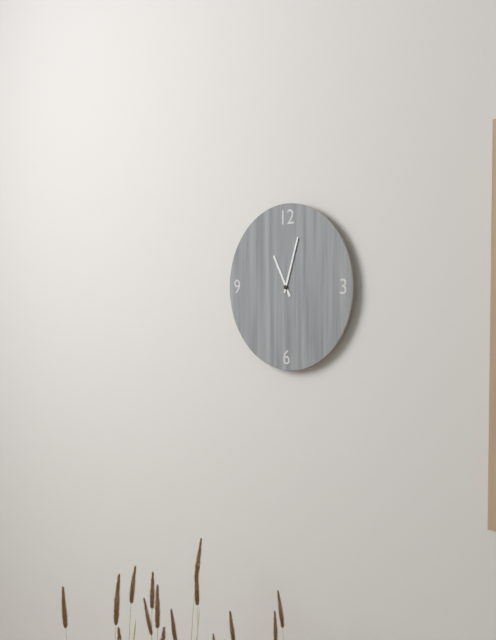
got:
11:03
